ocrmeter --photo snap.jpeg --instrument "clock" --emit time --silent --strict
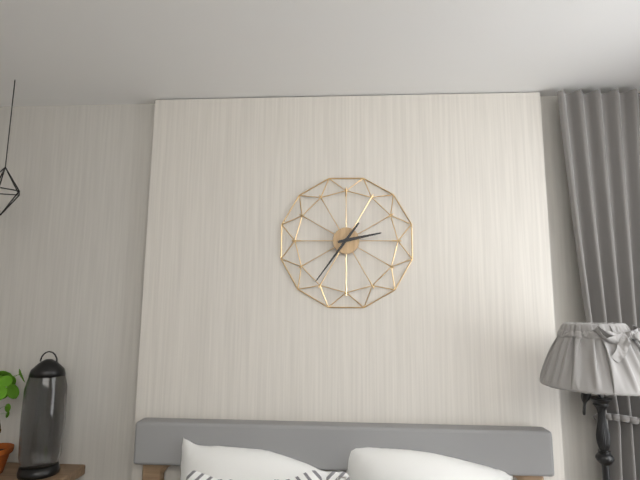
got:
2:36
